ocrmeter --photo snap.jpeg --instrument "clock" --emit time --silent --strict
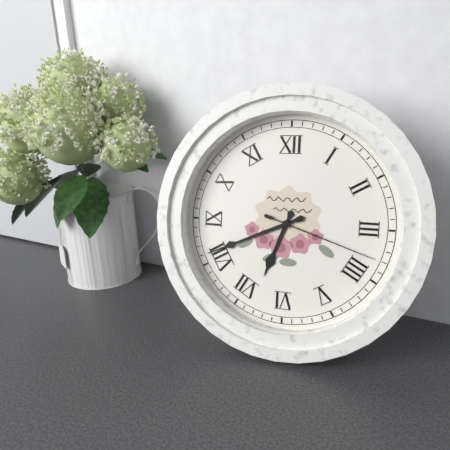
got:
6:41:18
